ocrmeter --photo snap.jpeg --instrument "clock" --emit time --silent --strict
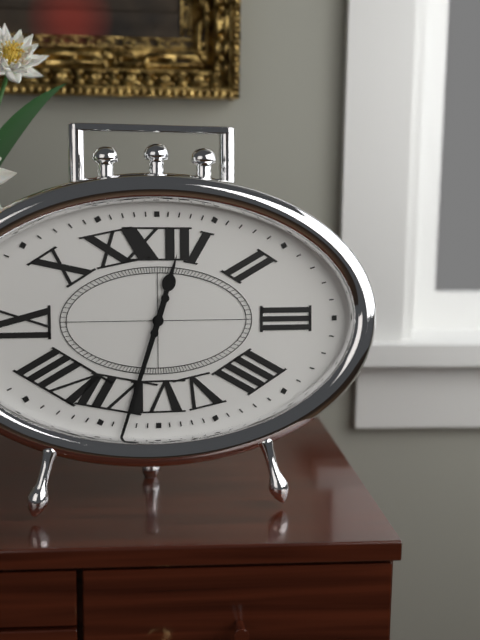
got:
12:33
